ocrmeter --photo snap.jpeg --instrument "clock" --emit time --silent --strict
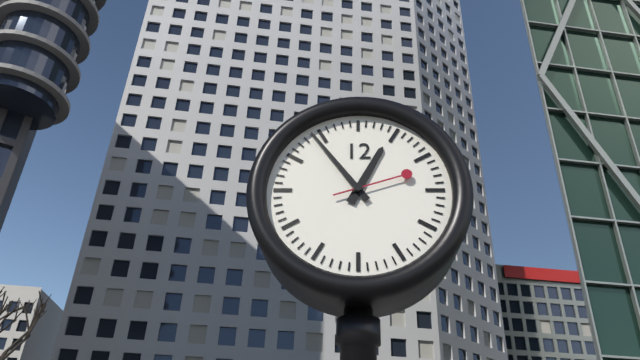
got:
12:54:12
